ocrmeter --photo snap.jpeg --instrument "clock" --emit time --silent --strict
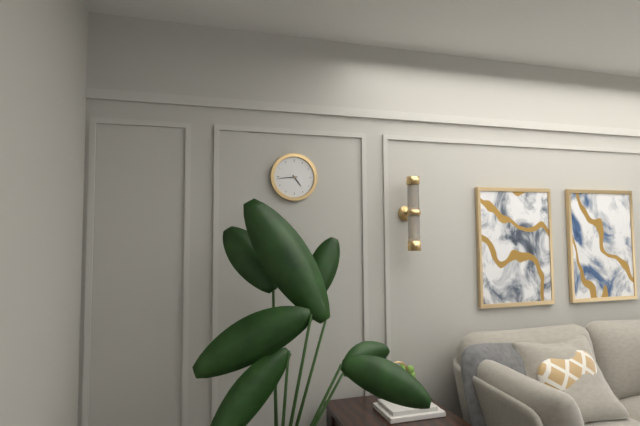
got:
4:44
